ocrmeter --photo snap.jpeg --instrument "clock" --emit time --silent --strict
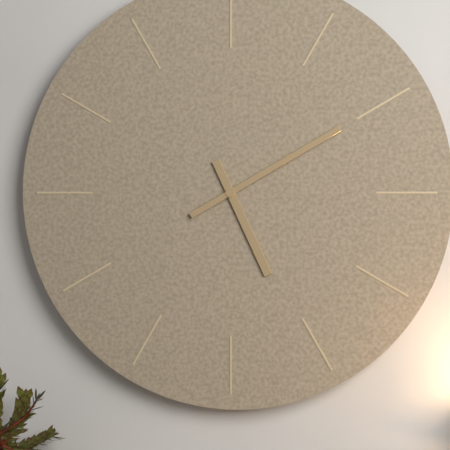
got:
5:10
